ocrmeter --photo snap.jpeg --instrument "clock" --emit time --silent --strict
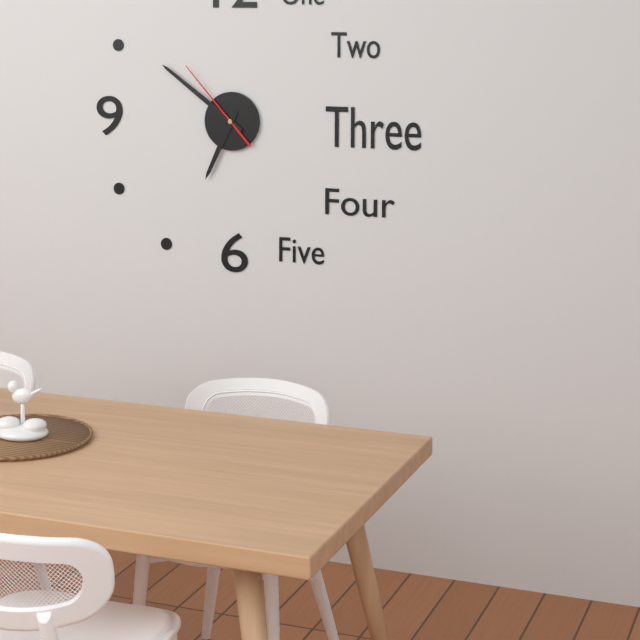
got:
6:51:53
